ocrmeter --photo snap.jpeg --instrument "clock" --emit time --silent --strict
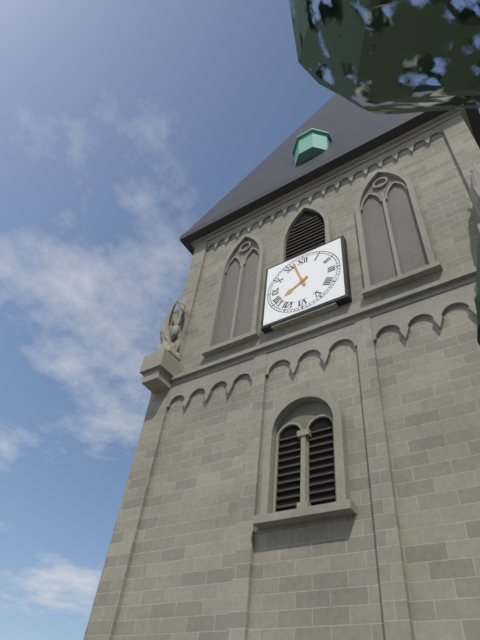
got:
7:57
